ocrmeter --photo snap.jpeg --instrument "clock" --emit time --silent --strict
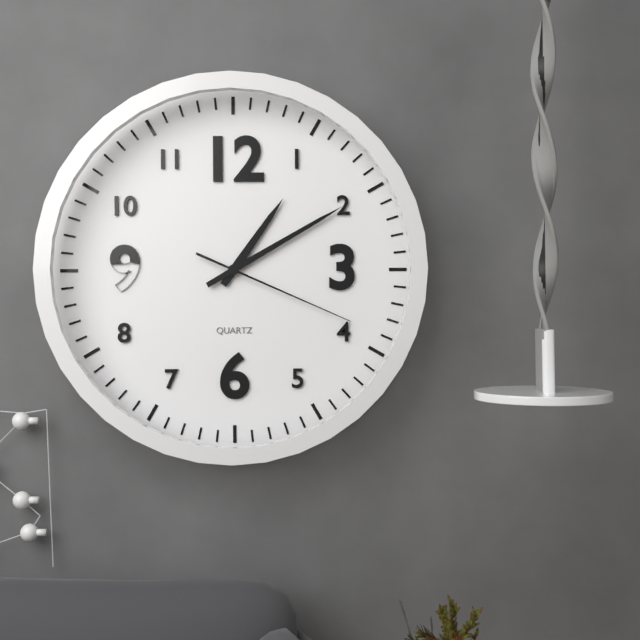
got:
1:10:19
